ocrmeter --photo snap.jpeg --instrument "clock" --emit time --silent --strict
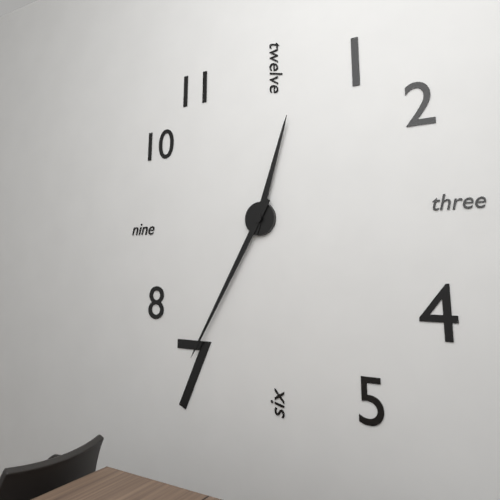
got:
12:35
